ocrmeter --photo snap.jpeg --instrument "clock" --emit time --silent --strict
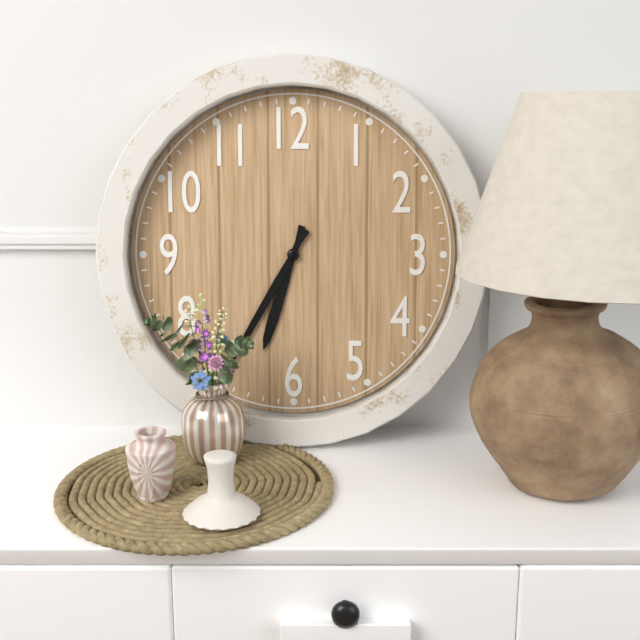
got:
6:35
